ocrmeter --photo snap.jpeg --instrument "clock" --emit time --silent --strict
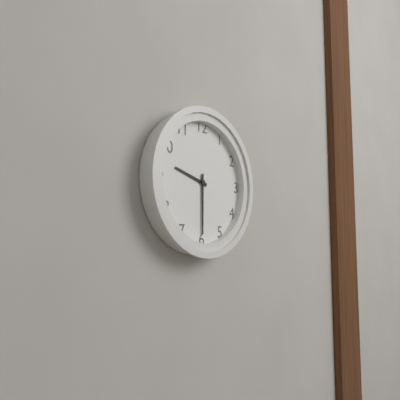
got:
9:30
